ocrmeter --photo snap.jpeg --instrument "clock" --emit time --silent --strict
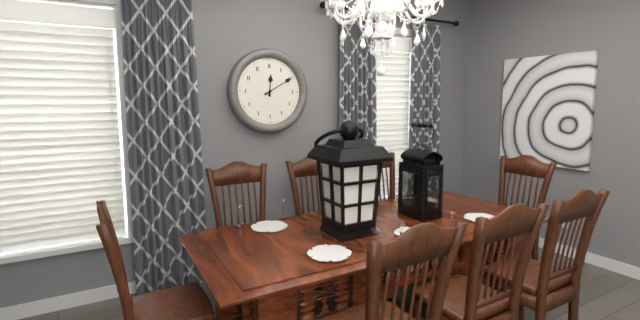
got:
12:10
